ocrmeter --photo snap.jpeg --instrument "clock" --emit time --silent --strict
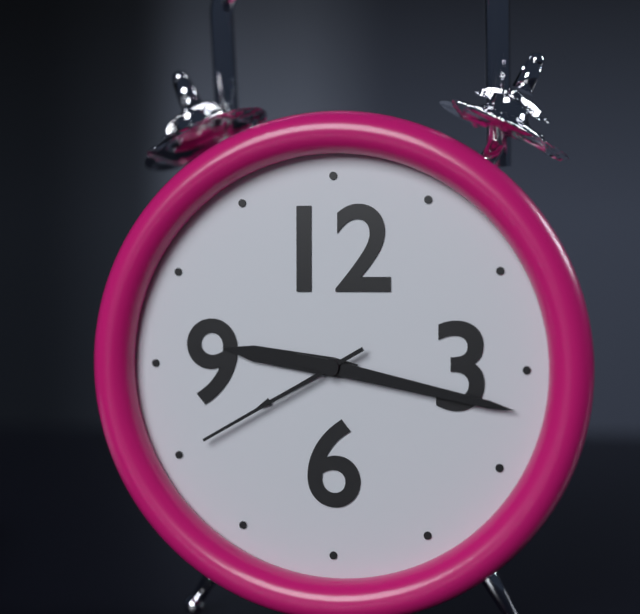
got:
9:17:40
